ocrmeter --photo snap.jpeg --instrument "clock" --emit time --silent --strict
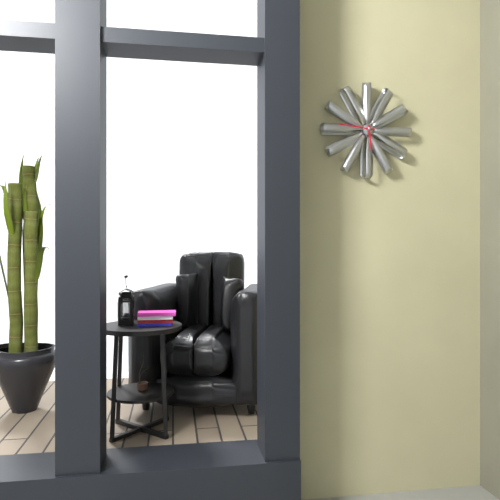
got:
5:46
